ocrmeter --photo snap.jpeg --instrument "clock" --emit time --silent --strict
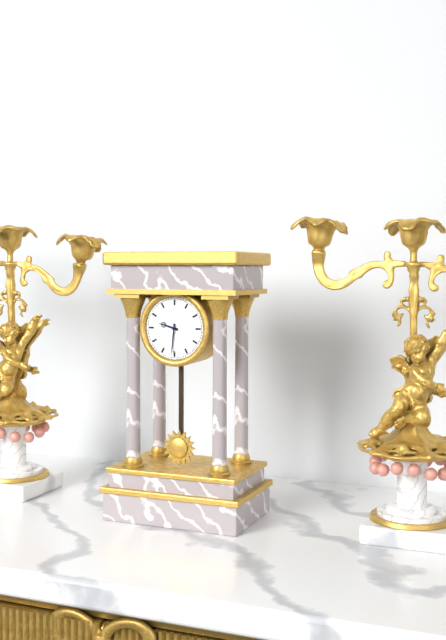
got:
9:31
